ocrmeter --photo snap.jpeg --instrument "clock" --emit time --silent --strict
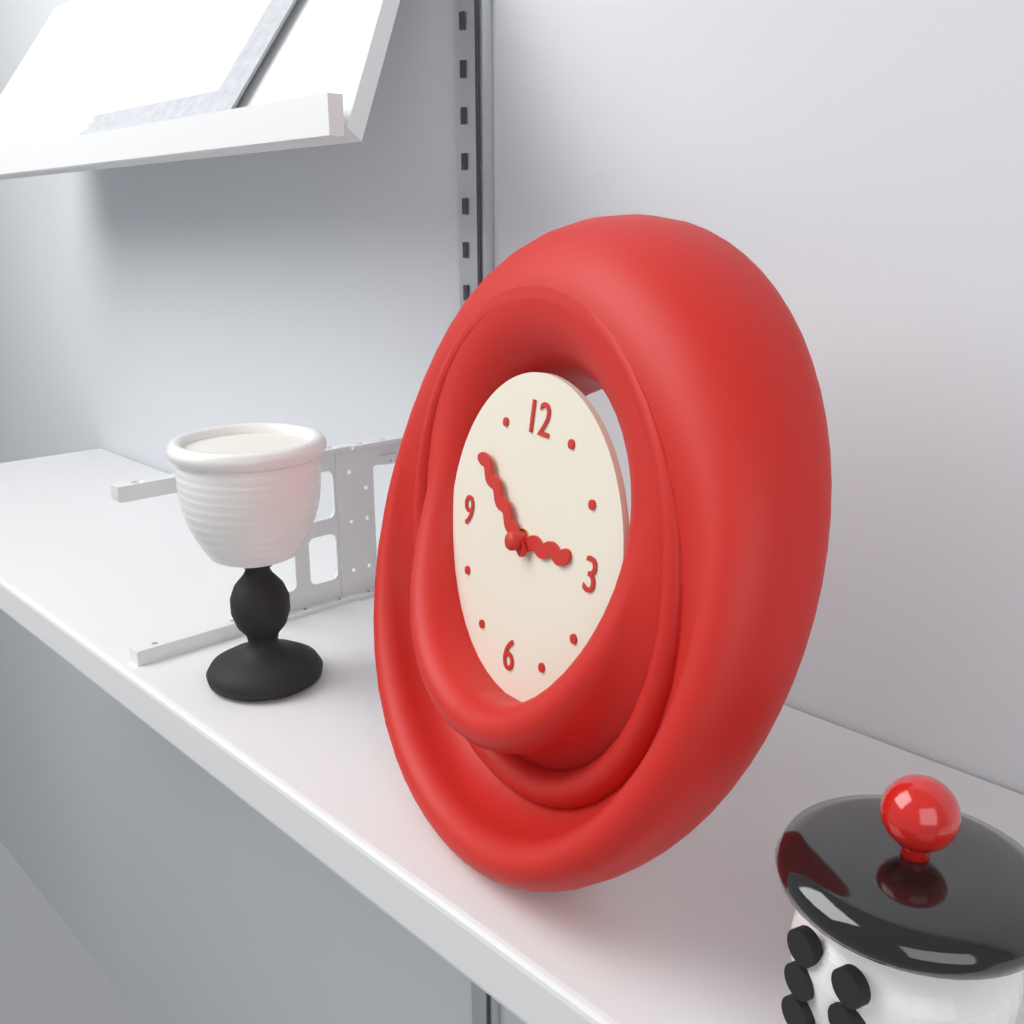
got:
2:51
